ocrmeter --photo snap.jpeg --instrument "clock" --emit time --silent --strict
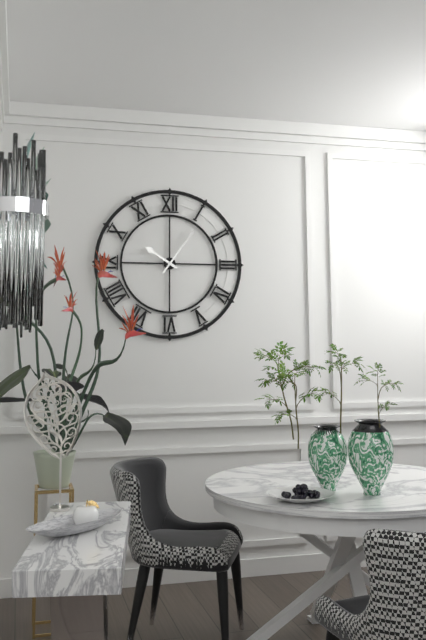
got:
10:06
